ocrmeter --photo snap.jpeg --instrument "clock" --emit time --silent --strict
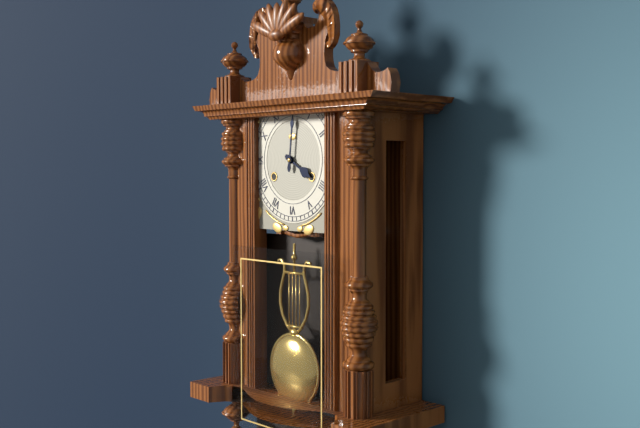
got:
4:01
